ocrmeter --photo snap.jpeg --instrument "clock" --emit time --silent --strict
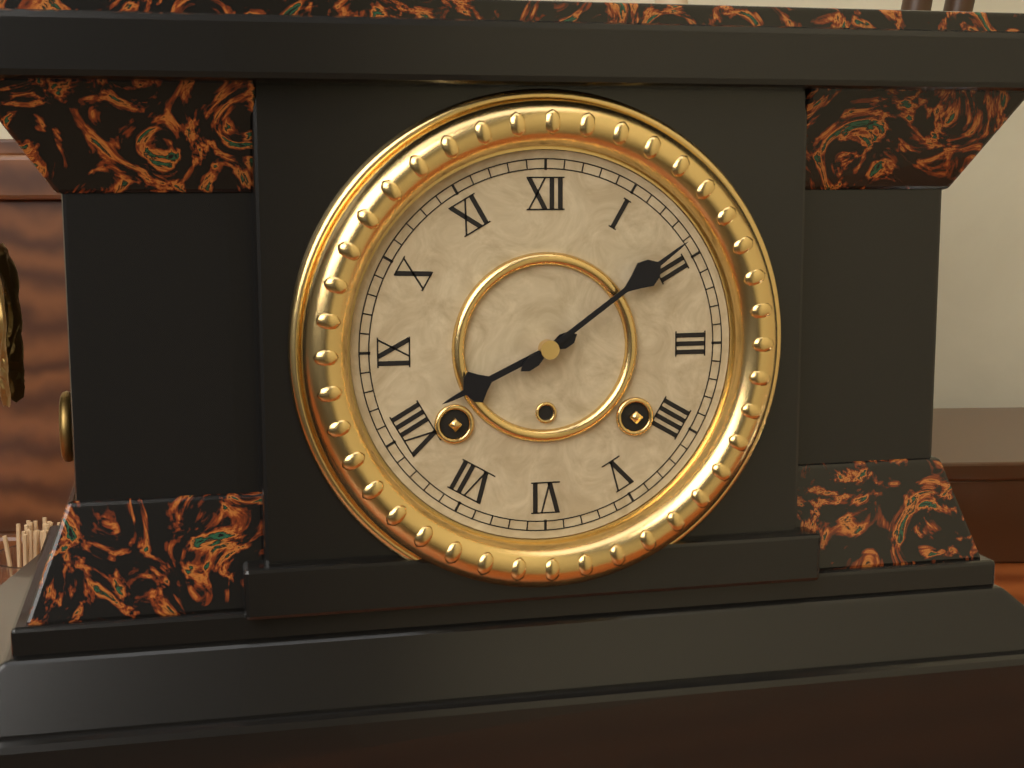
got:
8:09
